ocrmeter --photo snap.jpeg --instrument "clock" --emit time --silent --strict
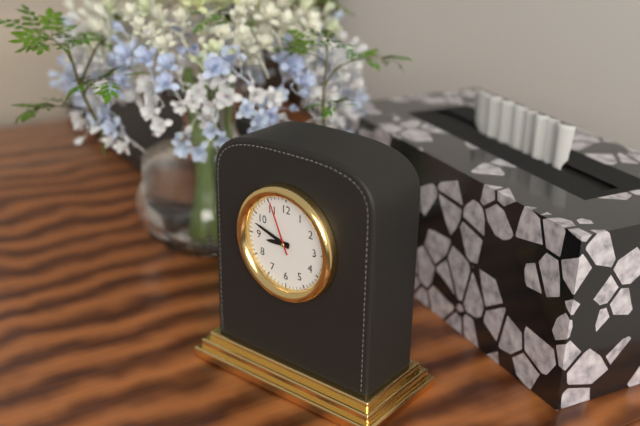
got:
8:48:56
